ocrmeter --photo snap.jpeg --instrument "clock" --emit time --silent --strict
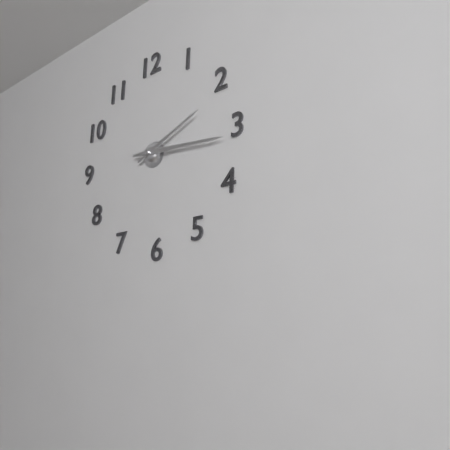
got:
2:16
